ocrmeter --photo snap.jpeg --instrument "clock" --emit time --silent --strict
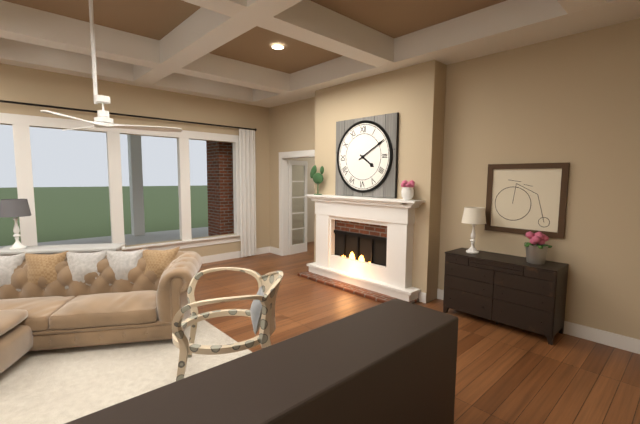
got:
4:10
